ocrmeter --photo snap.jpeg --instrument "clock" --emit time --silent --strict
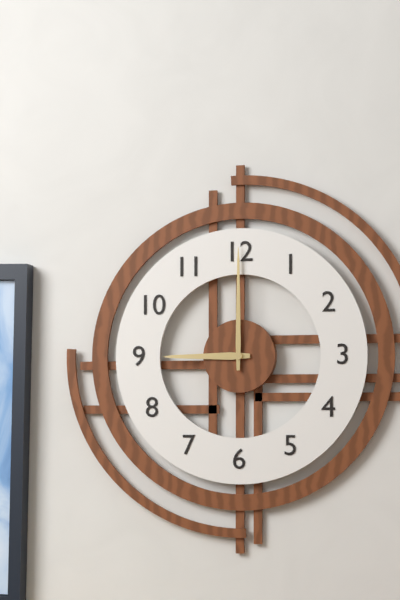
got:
9:00
